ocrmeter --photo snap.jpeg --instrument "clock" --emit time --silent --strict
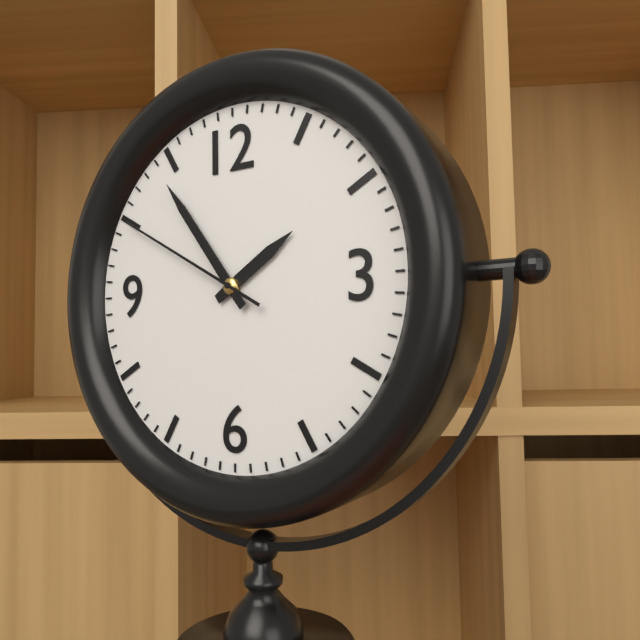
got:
1:54:50
